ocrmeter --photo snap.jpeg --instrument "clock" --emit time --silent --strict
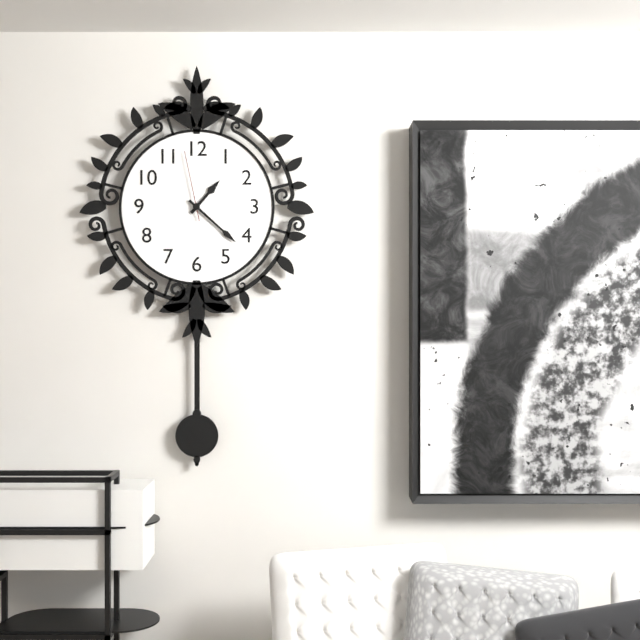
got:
1:22:58
